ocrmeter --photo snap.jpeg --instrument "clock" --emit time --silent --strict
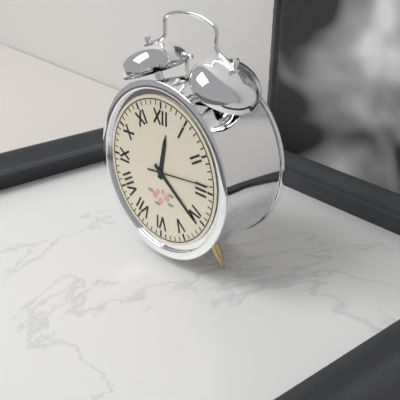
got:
12:21:14
